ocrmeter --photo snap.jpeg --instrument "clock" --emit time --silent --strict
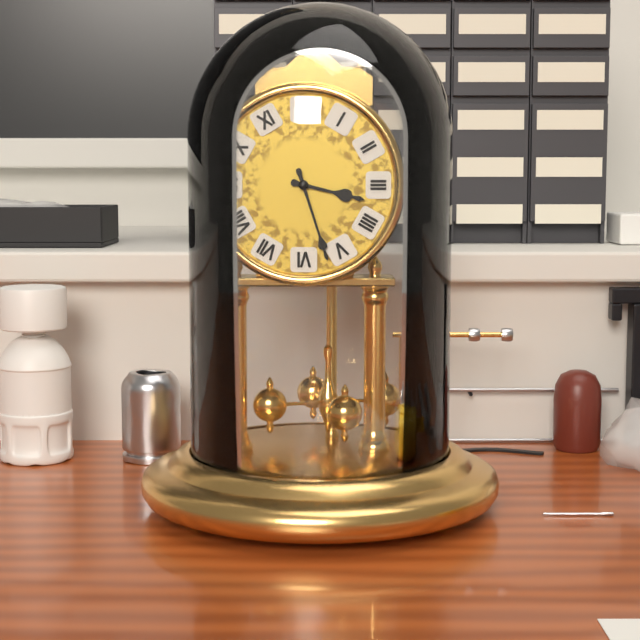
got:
3:27
